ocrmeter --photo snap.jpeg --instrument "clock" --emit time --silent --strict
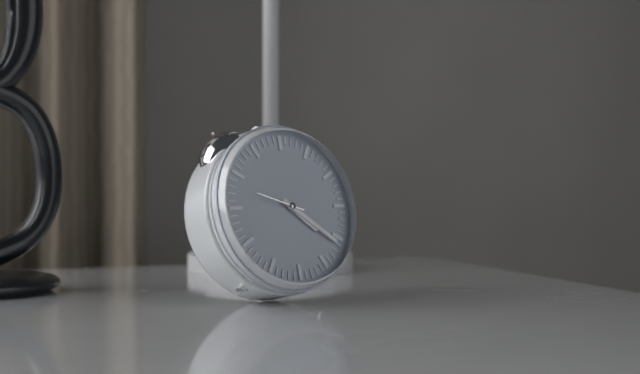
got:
4:21
